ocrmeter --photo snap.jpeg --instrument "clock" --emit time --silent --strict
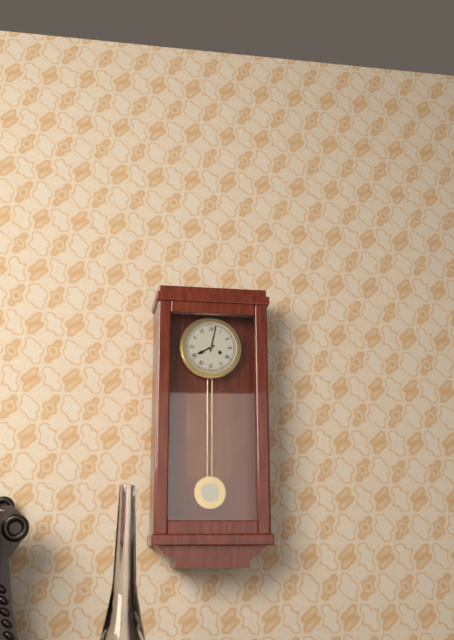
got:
8:02
